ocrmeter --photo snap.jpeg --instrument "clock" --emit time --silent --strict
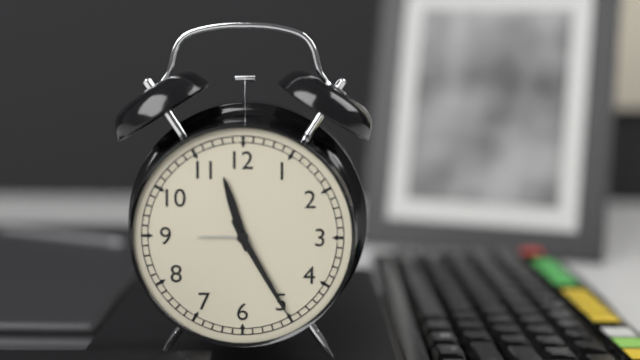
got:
11:25
